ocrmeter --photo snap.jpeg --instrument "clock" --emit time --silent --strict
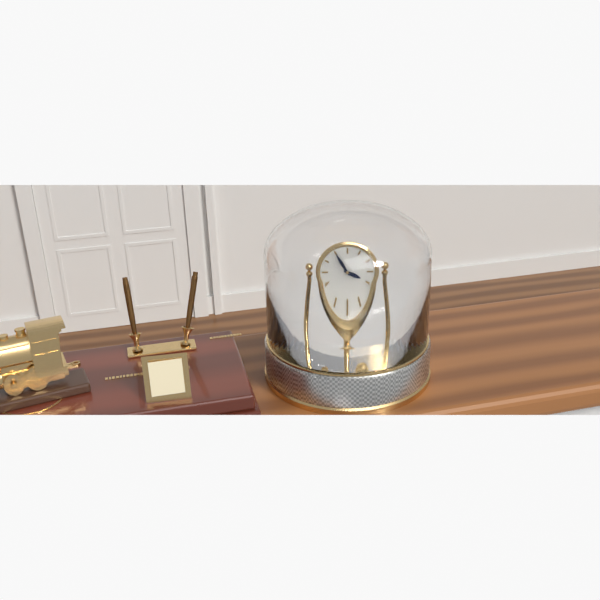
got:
3:55
